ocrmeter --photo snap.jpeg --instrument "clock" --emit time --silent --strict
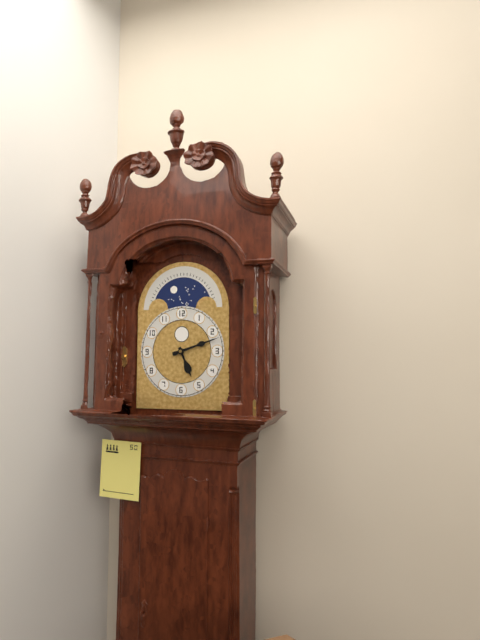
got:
5:12
